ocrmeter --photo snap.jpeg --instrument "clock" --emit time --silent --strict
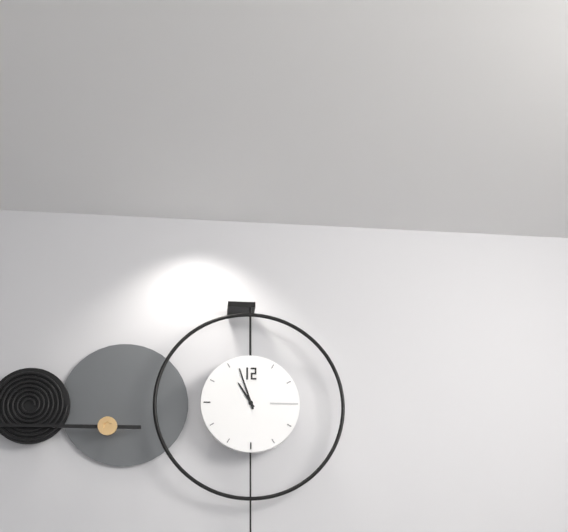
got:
10:57
